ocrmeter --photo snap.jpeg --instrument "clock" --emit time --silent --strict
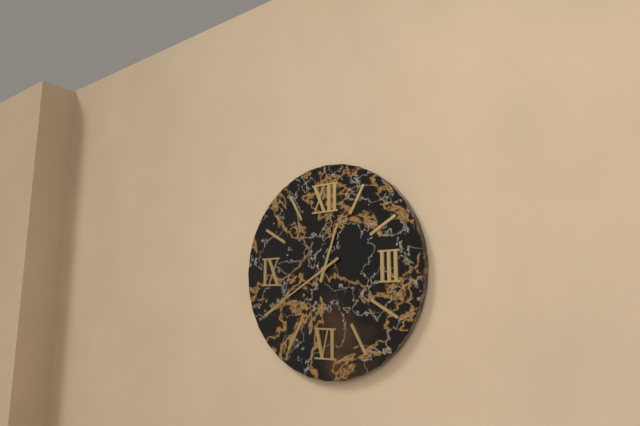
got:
12:40
